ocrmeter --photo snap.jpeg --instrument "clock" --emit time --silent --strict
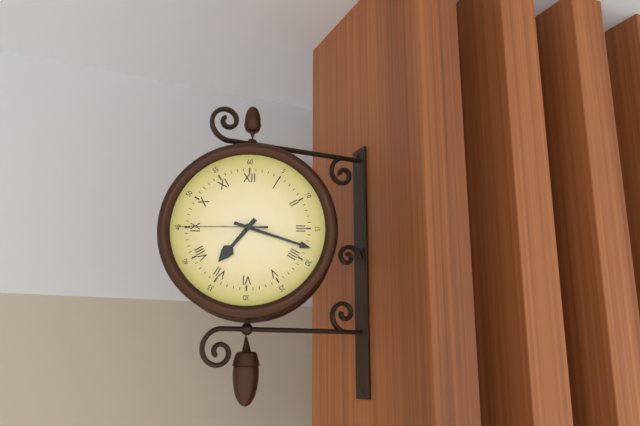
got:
7:18:45
